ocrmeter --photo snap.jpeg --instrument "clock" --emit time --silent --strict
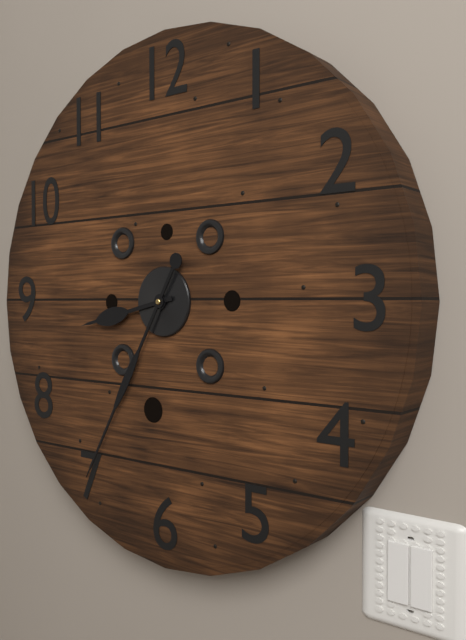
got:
8:35
